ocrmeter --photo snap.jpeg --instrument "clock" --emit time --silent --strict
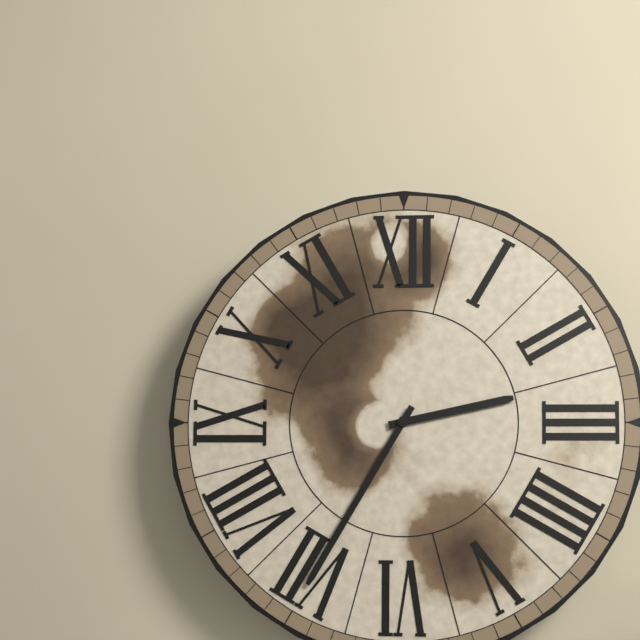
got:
2:35
